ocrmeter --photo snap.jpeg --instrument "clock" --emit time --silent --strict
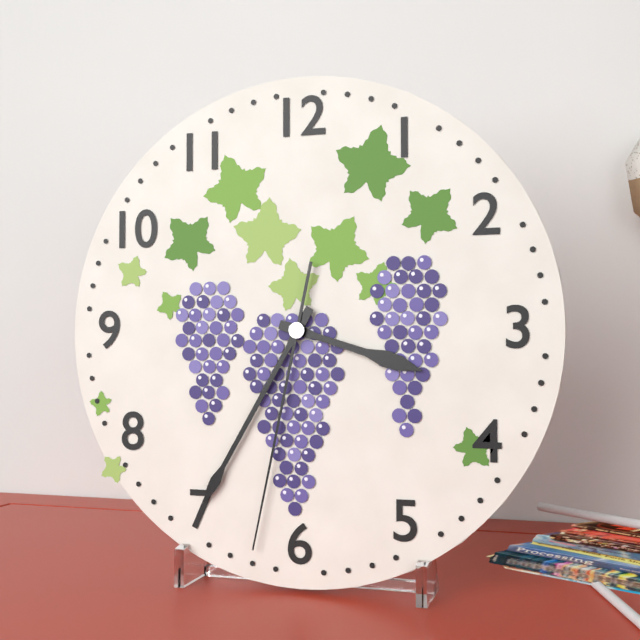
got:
3:35:32
